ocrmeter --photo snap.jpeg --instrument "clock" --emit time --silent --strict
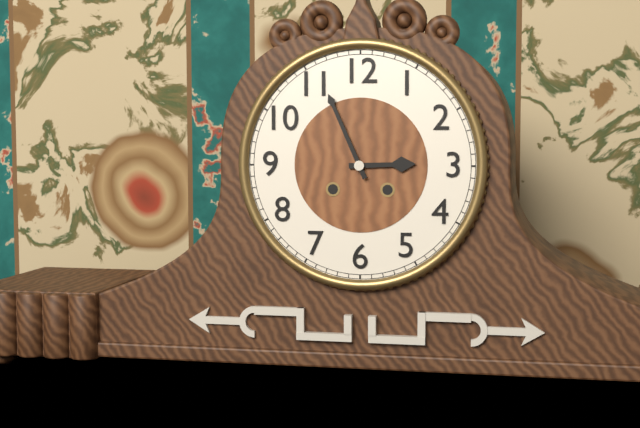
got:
2:56
